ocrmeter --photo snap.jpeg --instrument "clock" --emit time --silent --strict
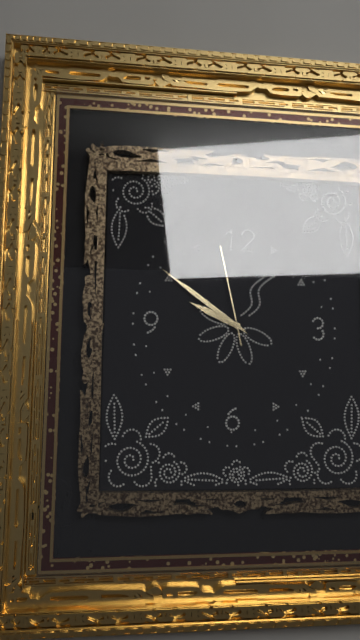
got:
9:51:58
